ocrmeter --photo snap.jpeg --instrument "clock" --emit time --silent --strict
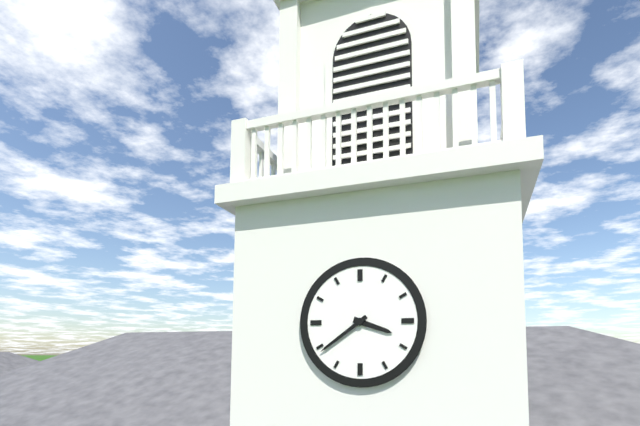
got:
3:39
